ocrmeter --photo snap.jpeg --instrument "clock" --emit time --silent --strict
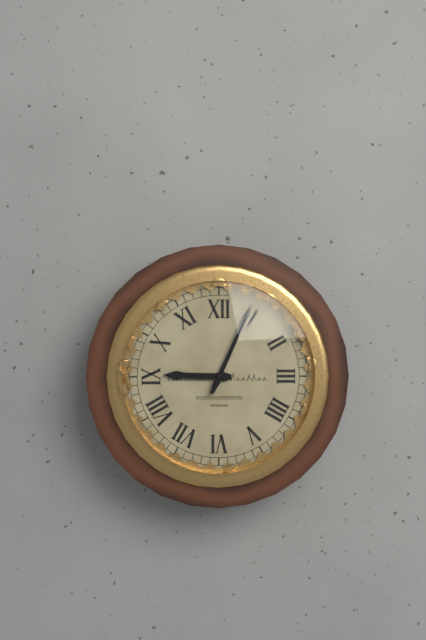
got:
9:04
